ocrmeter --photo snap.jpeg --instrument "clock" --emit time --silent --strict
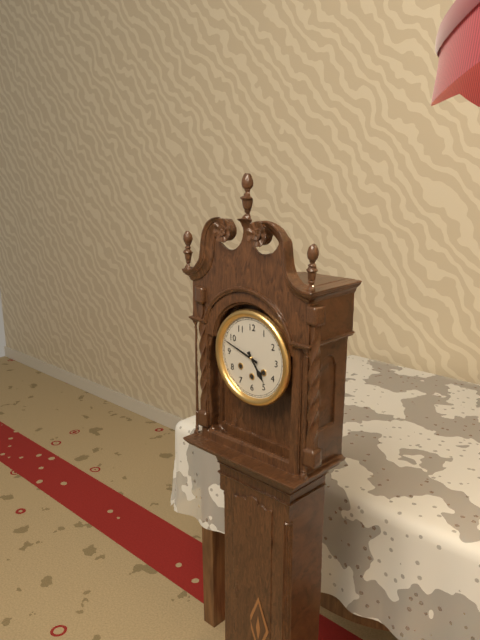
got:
4:48
